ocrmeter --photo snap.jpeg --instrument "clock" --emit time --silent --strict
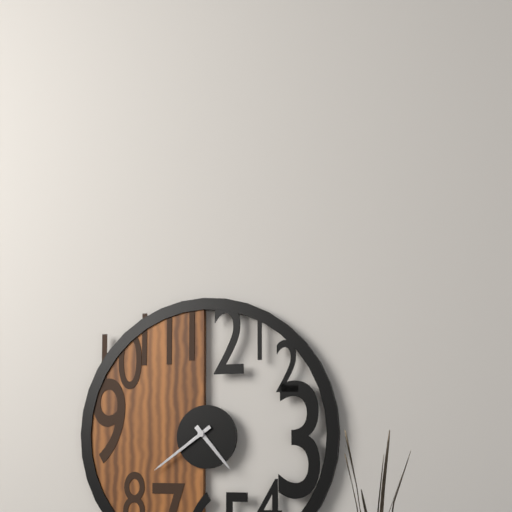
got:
4:39
